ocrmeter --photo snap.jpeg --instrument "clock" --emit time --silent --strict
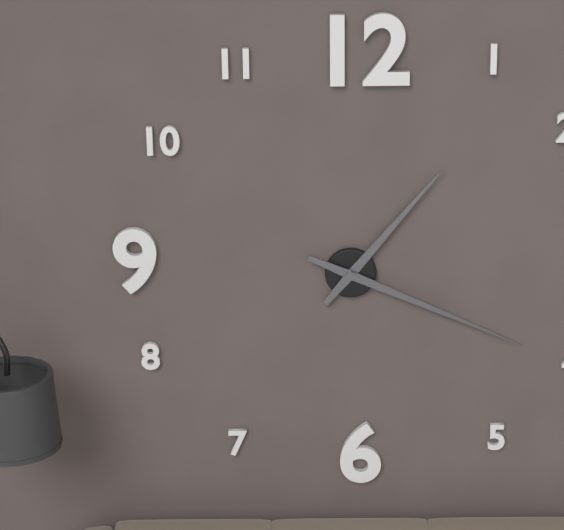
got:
1:19
